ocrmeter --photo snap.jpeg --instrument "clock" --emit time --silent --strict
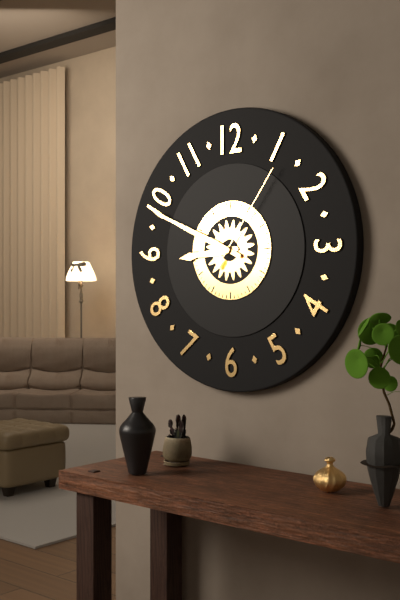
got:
8:49:06
